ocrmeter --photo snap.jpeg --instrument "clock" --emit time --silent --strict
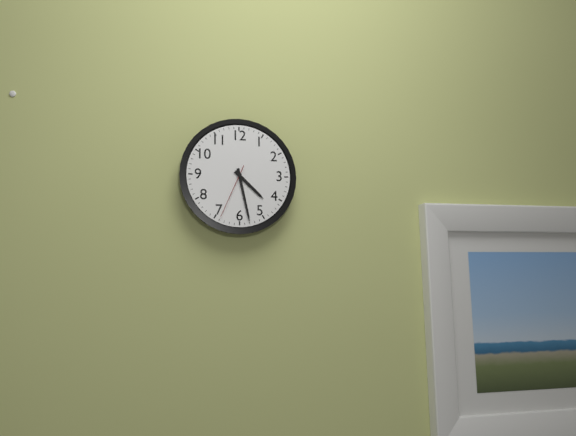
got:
4:28:34
